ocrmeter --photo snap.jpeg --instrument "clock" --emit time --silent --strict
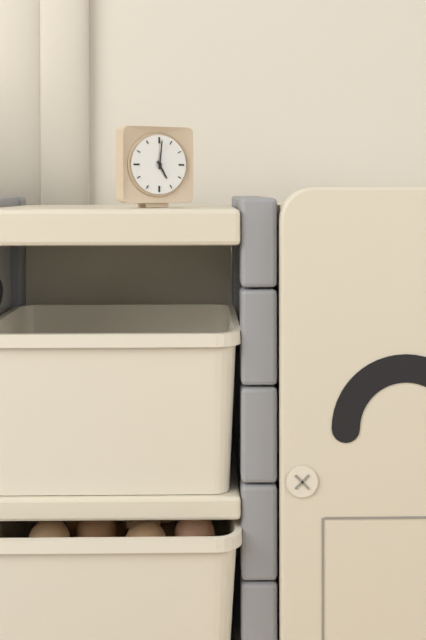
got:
5:01
